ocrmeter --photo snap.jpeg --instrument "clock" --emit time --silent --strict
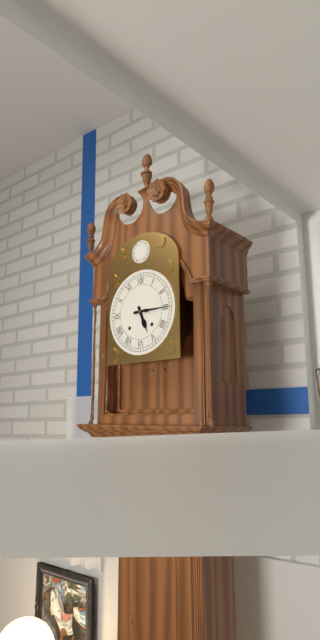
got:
5:15
